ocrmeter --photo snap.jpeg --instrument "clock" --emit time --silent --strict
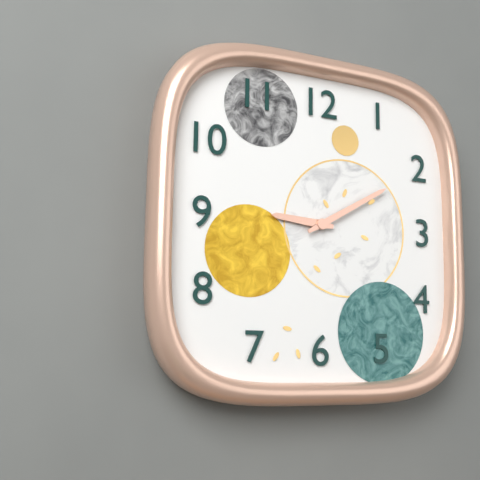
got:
9:10
